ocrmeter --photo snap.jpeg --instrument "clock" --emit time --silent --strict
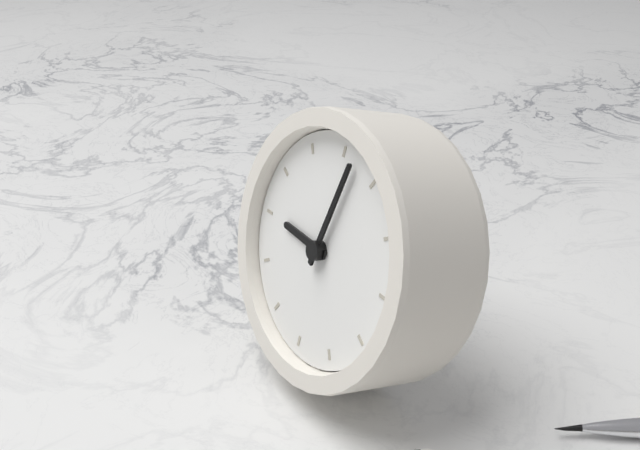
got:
9:02
